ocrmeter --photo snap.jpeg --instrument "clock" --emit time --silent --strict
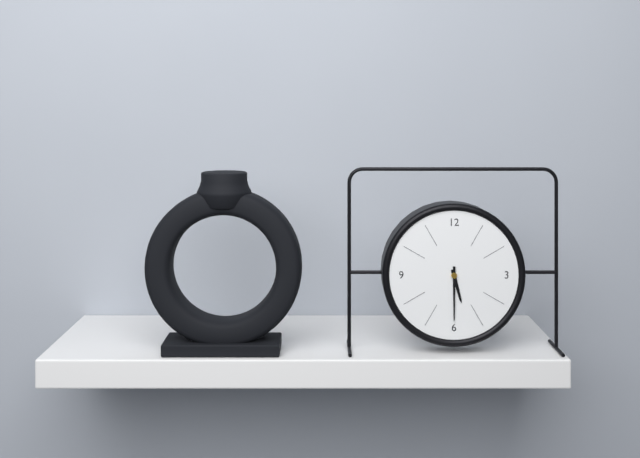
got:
5:30
